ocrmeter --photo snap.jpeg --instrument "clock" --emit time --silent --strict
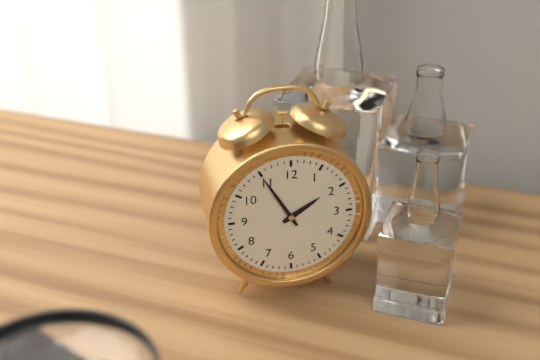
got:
1:55
